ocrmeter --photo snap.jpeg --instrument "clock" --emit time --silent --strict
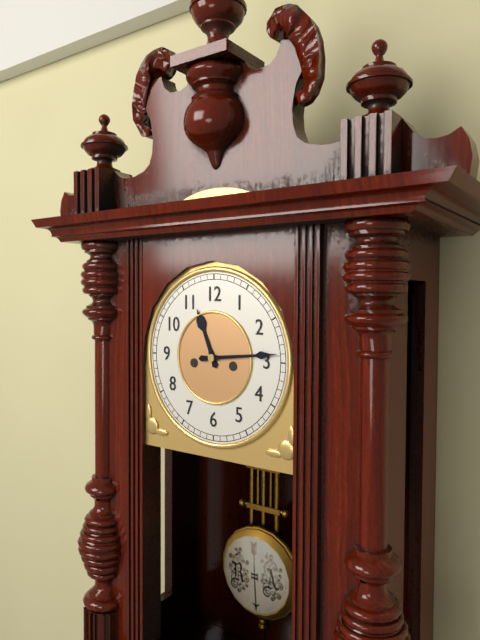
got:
11:14
